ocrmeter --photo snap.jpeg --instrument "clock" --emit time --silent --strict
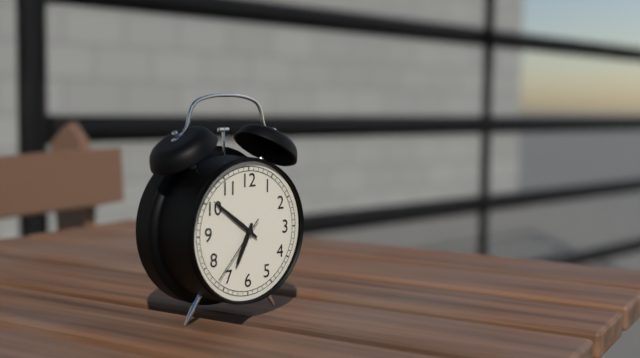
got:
6:51:37
